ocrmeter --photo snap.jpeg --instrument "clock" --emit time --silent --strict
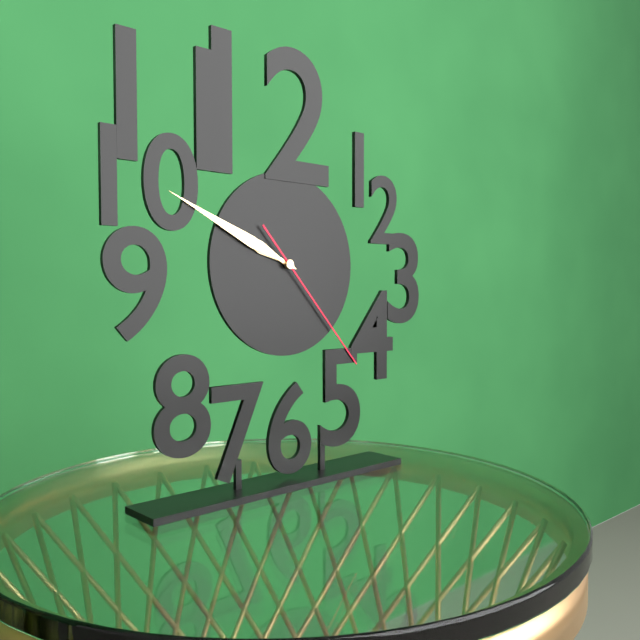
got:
9:49:23
